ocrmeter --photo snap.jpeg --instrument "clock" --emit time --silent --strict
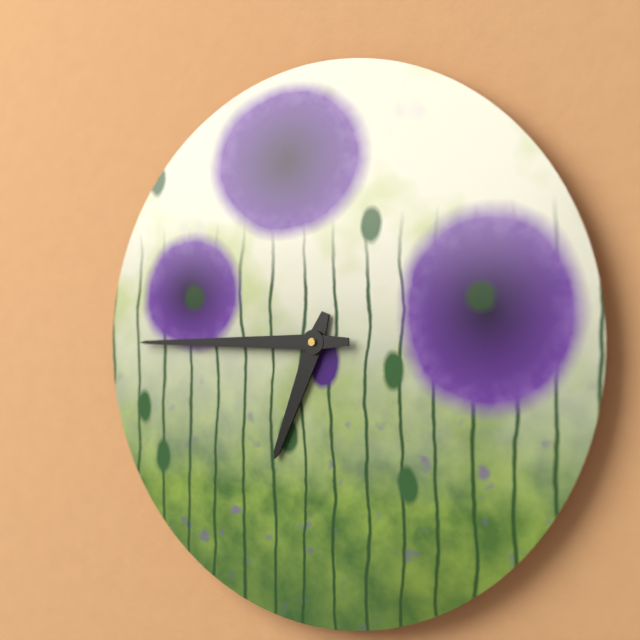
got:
6:45
